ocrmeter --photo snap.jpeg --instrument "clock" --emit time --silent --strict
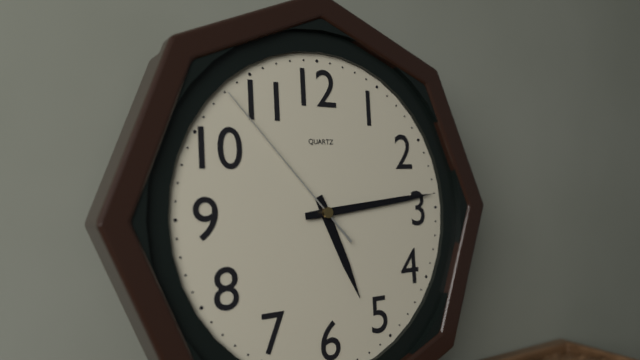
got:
5:14:53
